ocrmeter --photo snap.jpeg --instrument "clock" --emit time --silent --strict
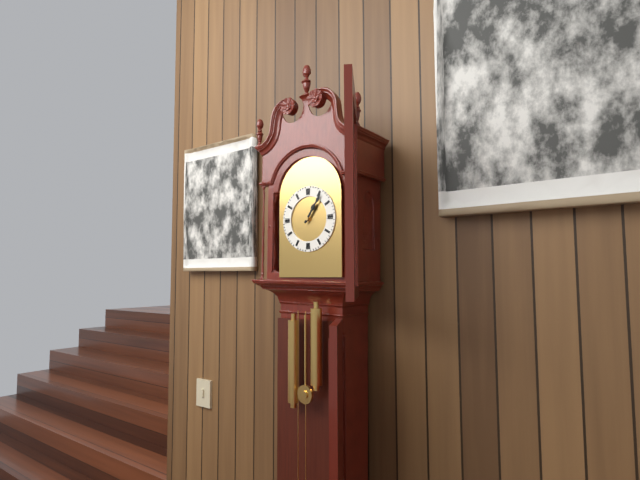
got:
1:06
